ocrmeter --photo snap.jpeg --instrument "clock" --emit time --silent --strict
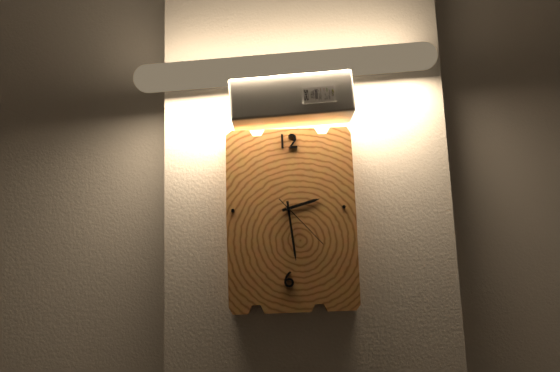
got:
2:29:23
